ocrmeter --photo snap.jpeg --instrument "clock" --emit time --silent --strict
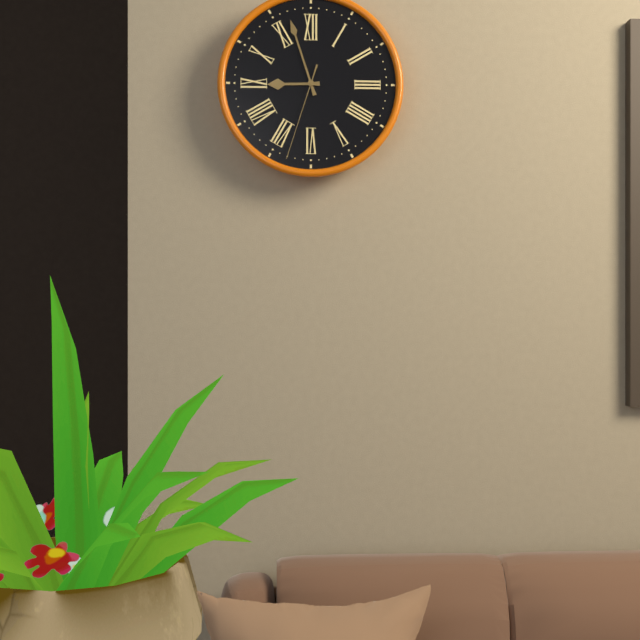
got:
8:57:33
